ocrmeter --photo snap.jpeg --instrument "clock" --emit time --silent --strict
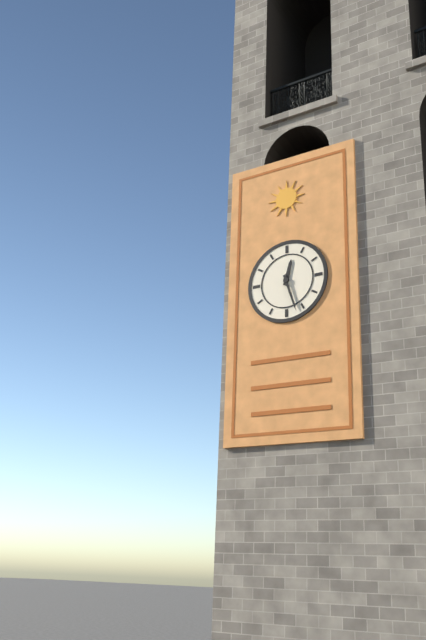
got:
12:27
